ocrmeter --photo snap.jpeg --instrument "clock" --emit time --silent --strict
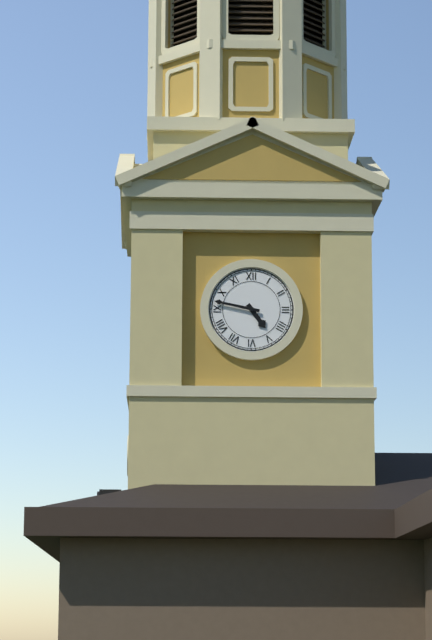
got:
4:47
